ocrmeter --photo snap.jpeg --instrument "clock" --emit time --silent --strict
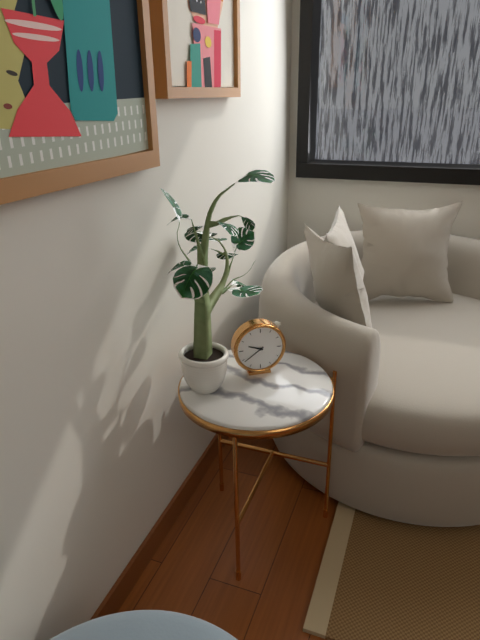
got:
9:39
